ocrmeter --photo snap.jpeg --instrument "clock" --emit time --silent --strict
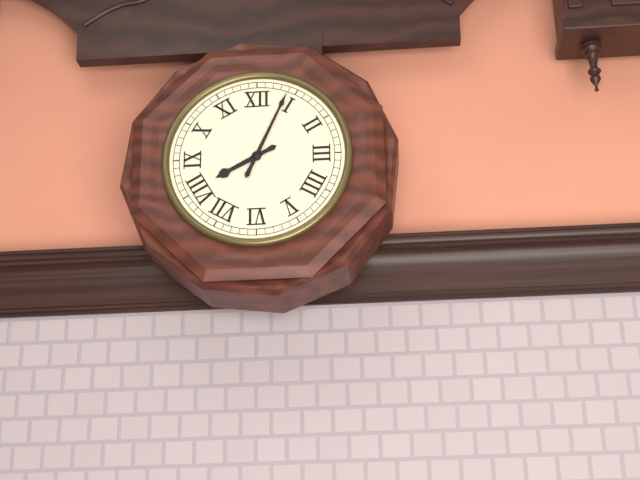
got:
8:04
